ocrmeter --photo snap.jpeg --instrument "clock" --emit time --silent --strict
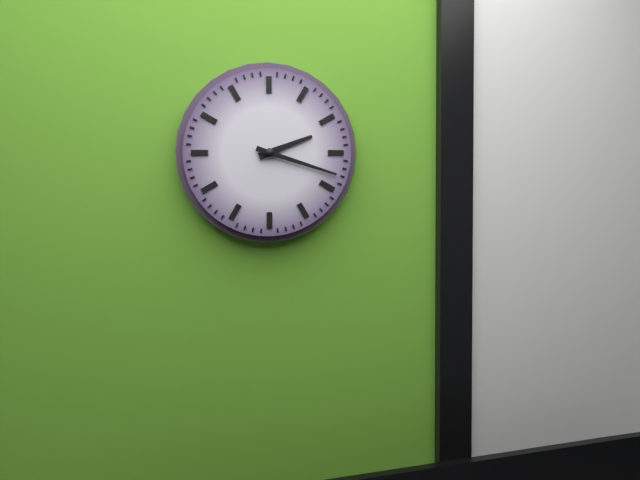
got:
2:18
